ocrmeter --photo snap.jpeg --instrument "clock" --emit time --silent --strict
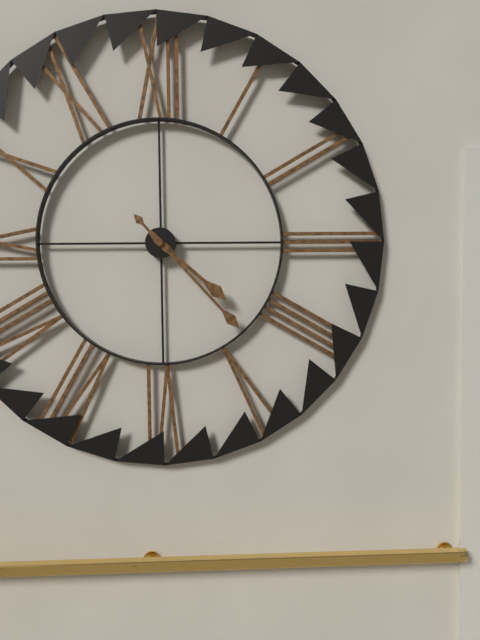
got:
4:23
